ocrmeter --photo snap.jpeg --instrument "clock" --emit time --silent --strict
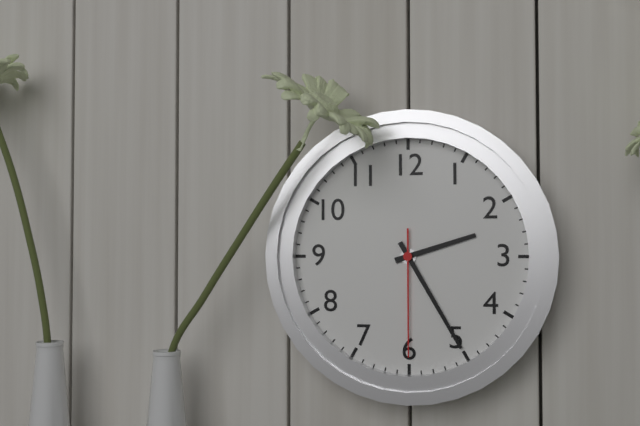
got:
2:25:30
